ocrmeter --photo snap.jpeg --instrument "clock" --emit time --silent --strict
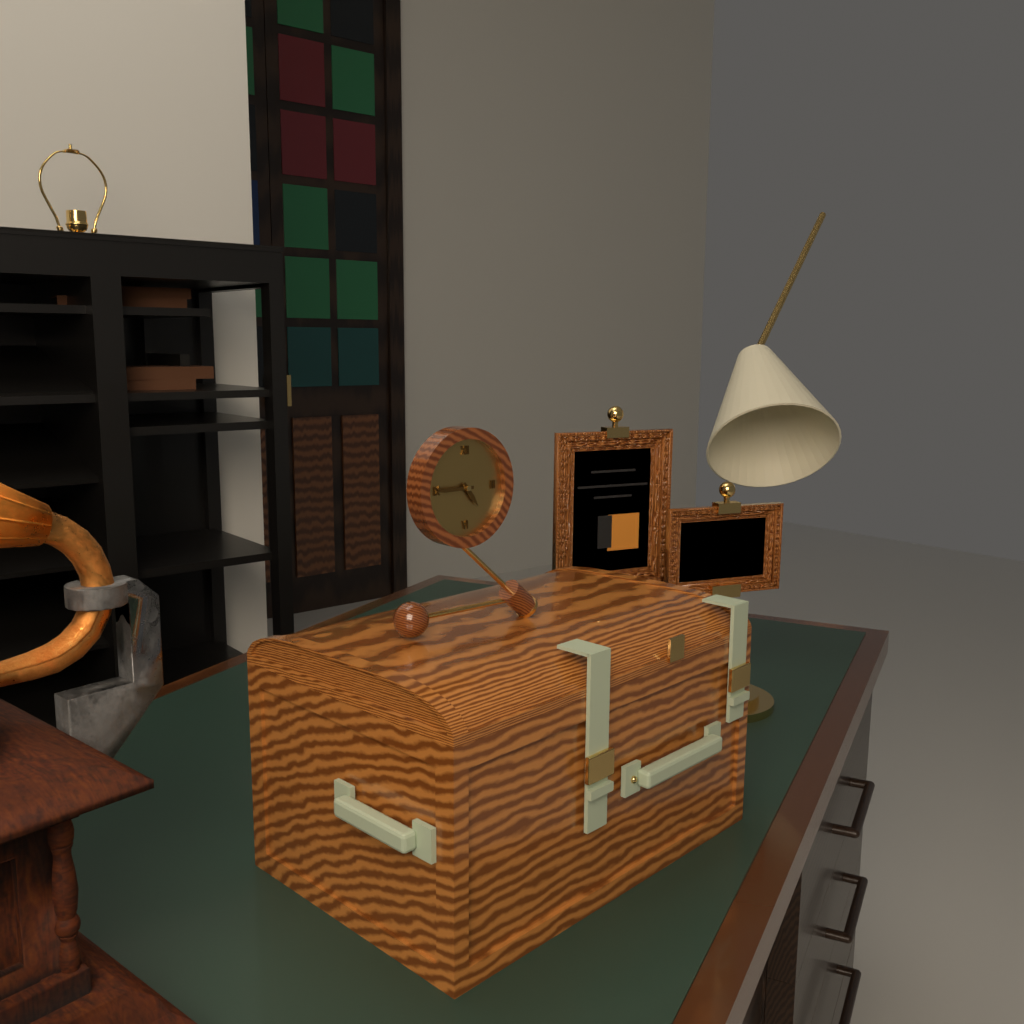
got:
4:45
